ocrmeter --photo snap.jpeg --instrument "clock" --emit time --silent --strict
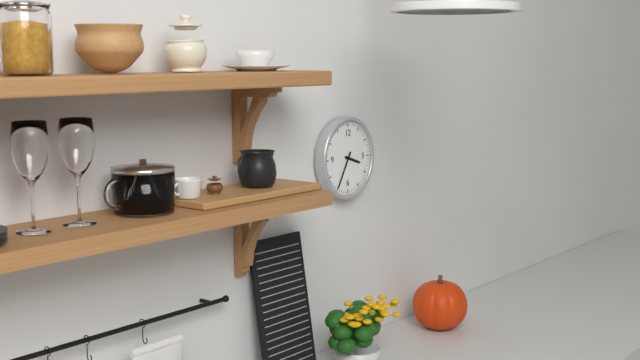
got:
3:35
